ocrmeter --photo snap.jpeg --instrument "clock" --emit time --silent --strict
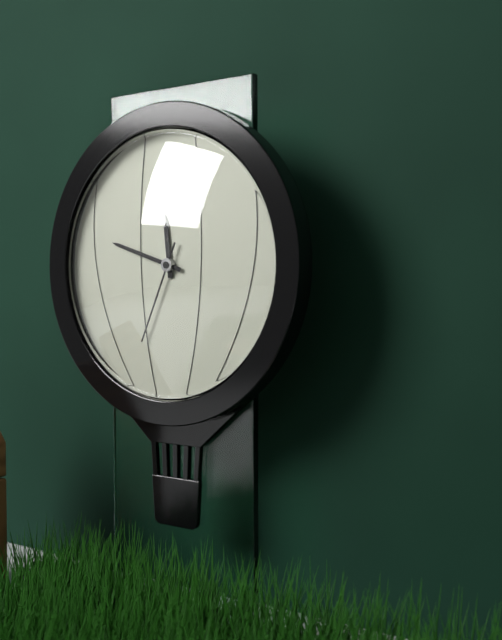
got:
11:48:34
